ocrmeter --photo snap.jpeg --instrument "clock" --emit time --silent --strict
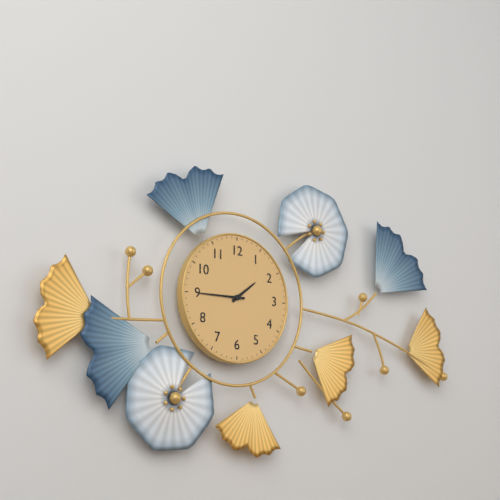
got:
1:45
